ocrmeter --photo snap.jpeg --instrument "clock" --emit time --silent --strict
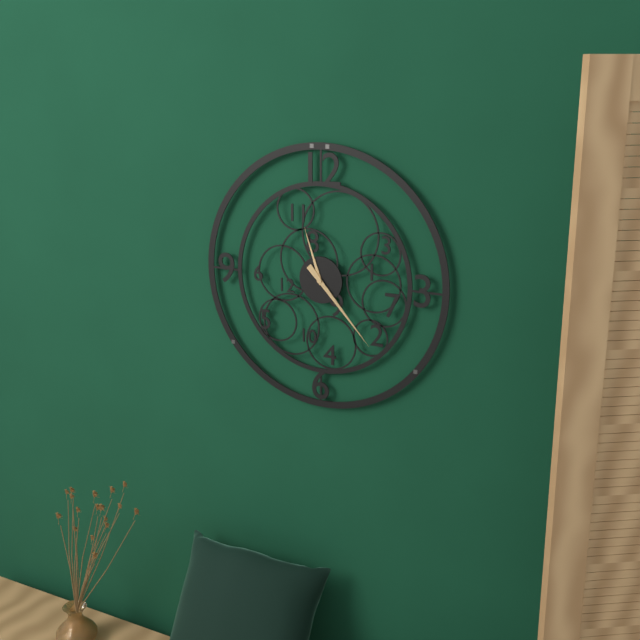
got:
11:23
